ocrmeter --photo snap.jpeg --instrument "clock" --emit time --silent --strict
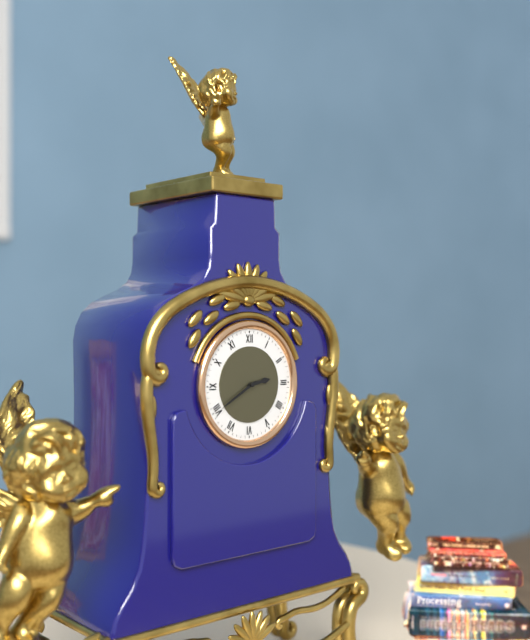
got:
2:40
